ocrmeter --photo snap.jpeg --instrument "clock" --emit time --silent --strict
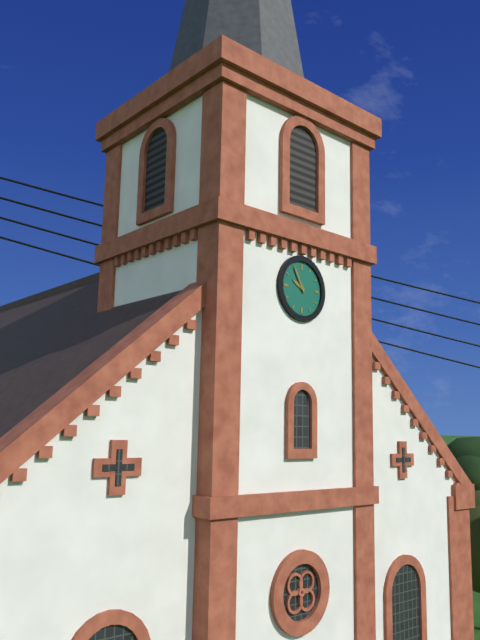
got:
9:55
